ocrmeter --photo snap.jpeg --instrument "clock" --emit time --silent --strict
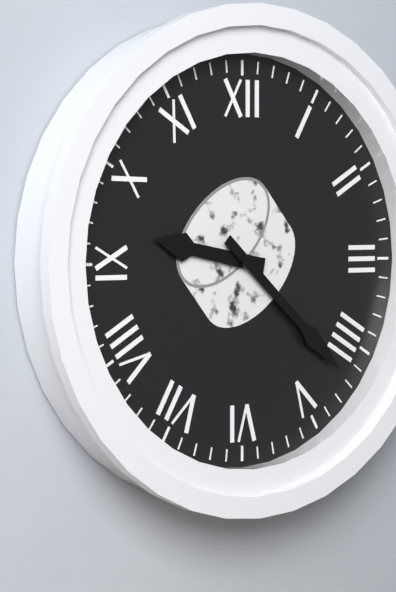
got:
9:22
